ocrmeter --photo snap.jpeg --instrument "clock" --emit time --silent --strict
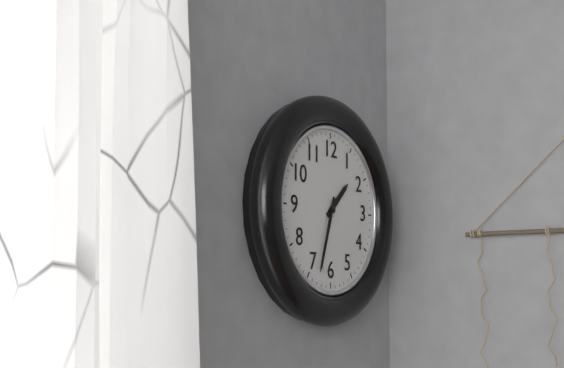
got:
1:33
